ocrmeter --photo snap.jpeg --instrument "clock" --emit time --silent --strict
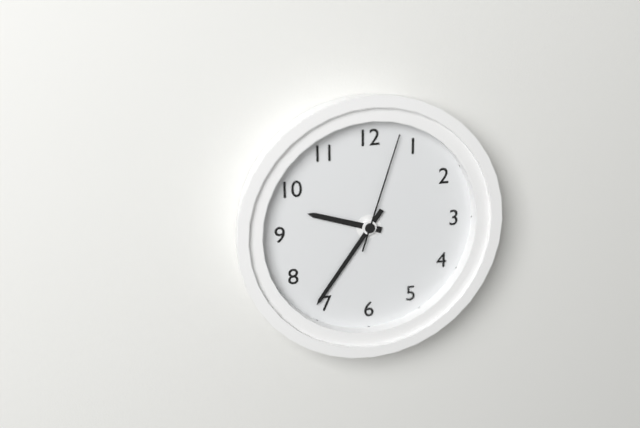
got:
9:36:03
